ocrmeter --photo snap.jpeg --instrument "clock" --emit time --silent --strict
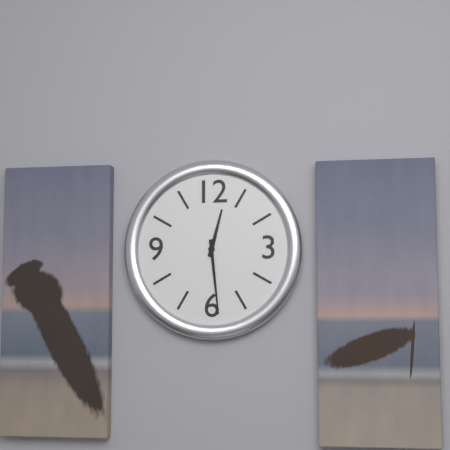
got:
12:29
